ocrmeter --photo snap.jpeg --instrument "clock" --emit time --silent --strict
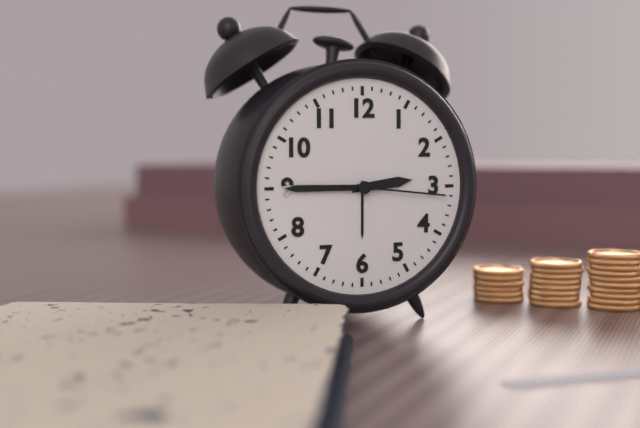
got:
2:45:16
